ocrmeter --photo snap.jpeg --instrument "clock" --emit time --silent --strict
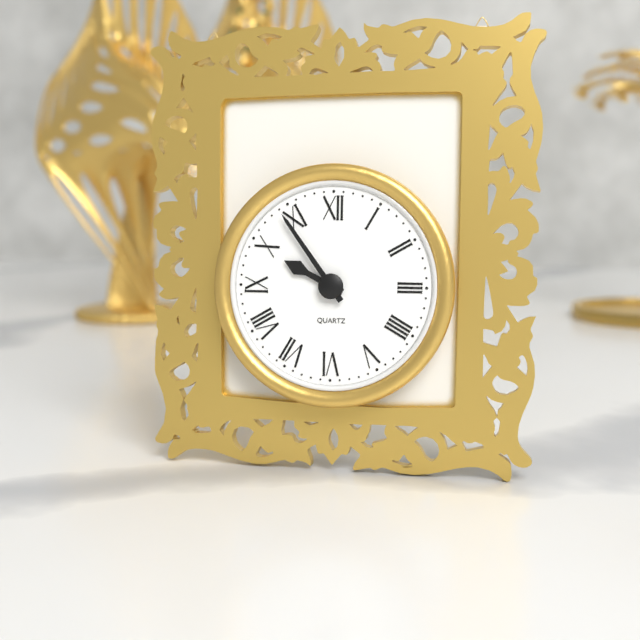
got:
9:54
